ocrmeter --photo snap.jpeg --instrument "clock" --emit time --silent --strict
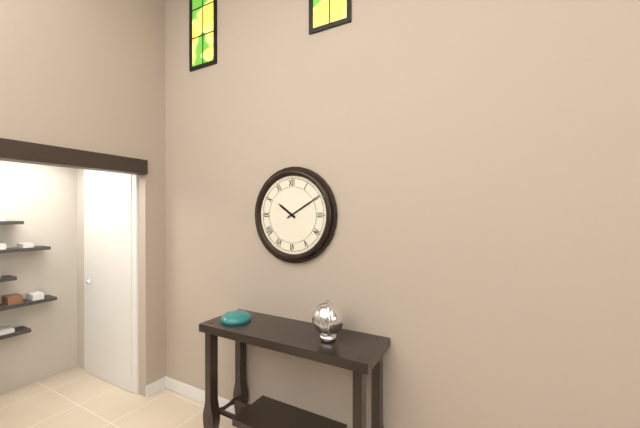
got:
10:10
